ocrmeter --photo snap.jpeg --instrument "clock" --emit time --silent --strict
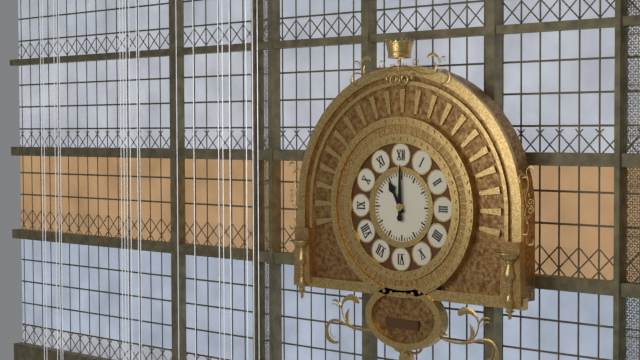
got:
11:00
